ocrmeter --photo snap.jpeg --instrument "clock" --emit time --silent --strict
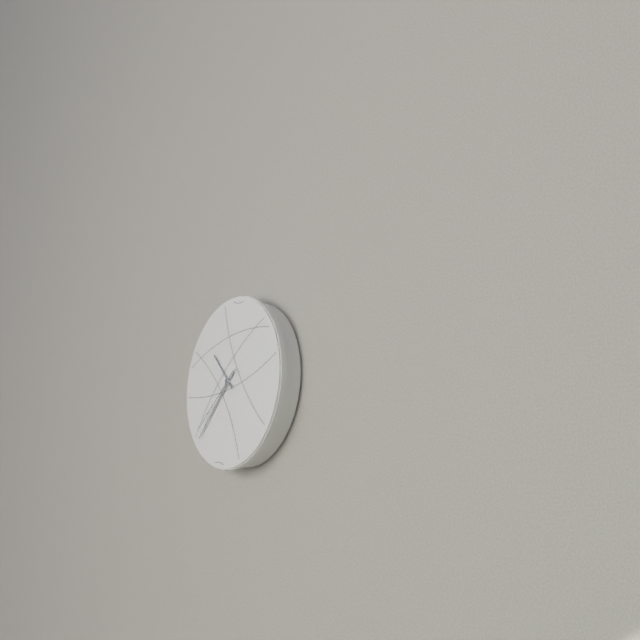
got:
10:38:39
